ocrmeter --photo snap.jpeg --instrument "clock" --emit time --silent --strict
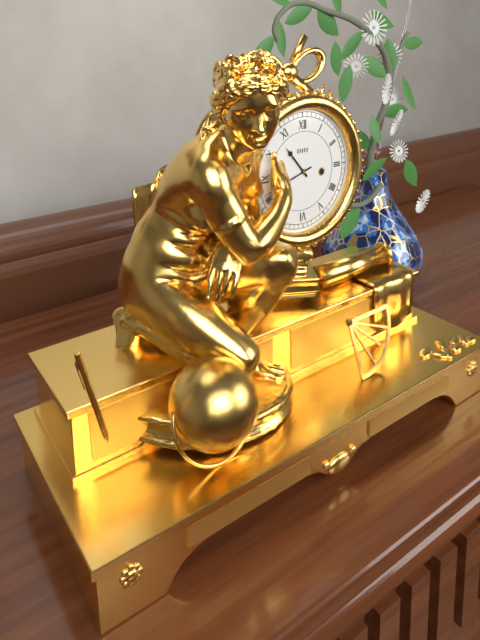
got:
10:42
